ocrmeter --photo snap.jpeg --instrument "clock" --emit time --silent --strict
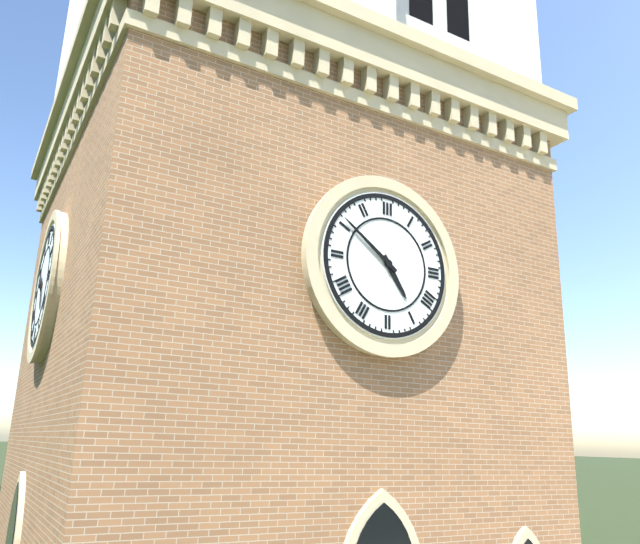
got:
4:51
